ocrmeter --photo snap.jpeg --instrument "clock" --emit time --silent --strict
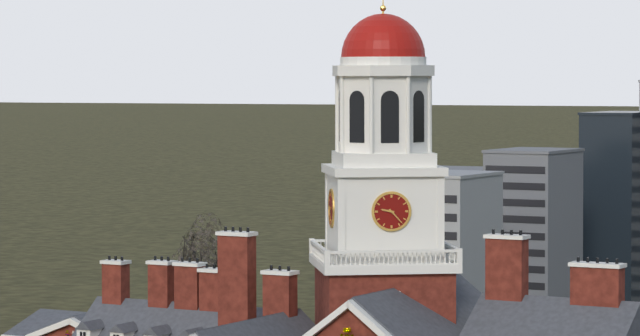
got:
9:23
